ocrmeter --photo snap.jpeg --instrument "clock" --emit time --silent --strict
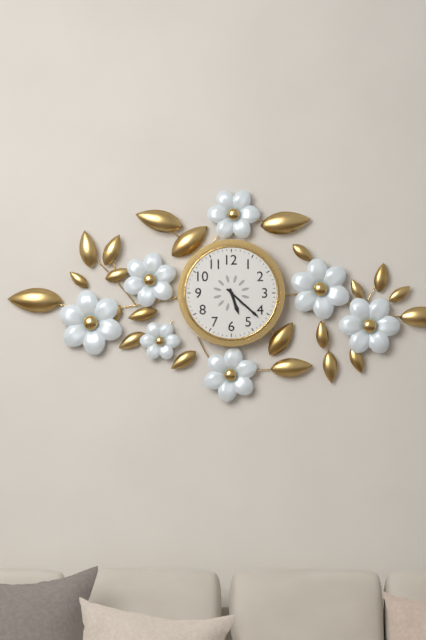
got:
5:22
